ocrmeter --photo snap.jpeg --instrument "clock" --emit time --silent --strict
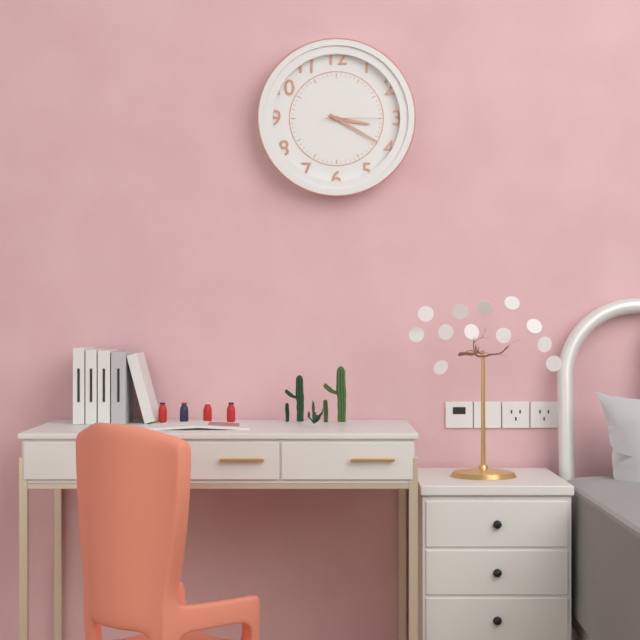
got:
3:20:15
